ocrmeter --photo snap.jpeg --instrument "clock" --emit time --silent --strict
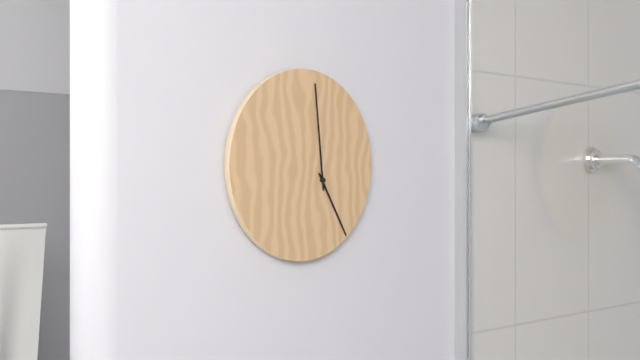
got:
4:59
